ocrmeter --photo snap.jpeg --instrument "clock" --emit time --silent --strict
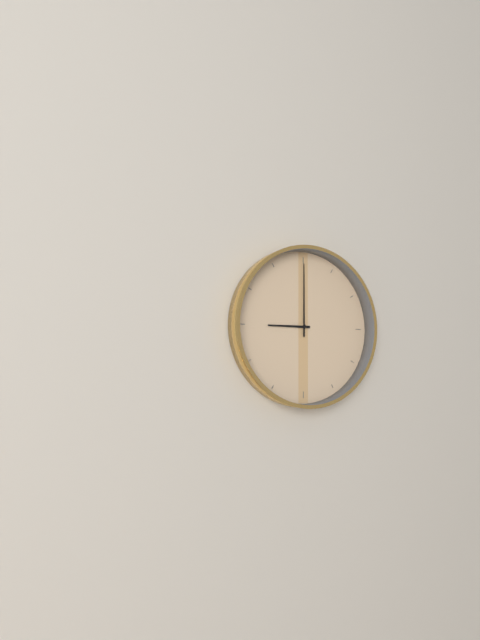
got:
9:00
